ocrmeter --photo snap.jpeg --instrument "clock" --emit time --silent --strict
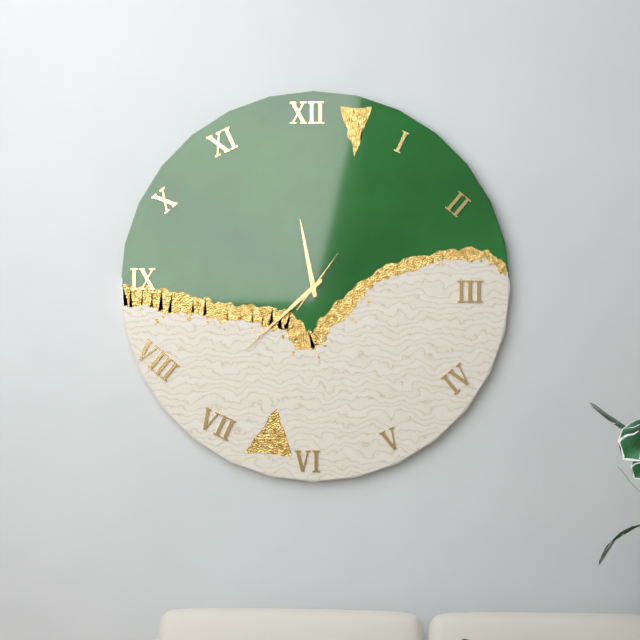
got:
11:38:06
